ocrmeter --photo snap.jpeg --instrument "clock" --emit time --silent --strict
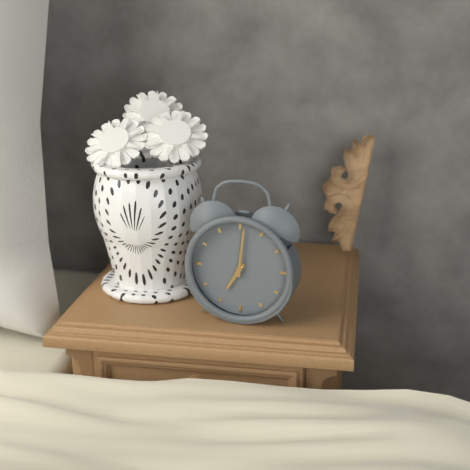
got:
7:01
